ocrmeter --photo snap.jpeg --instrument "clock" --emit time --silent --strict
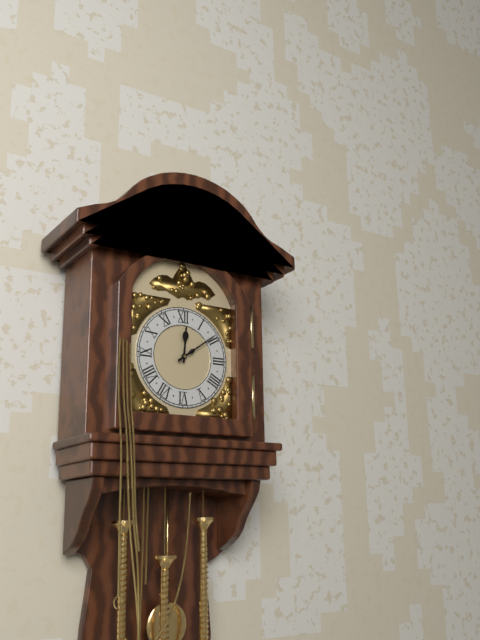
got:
12:09
